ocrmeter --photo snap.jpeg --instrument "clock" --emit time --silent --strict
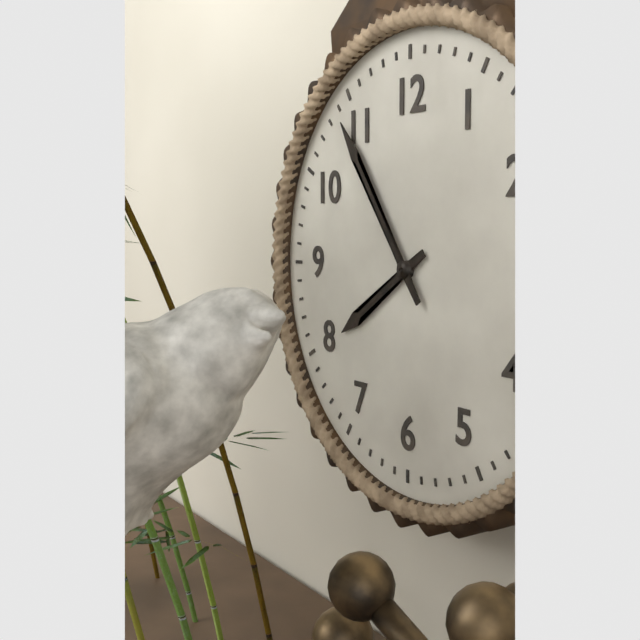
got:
7:54
